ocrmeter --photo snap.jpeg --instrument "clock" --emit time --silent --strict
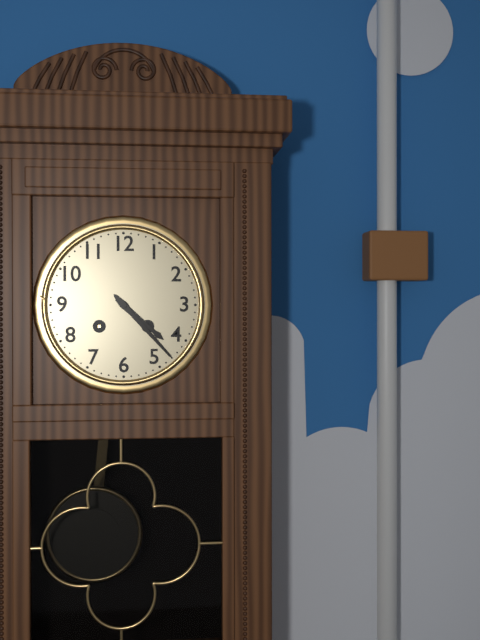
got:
4:23
